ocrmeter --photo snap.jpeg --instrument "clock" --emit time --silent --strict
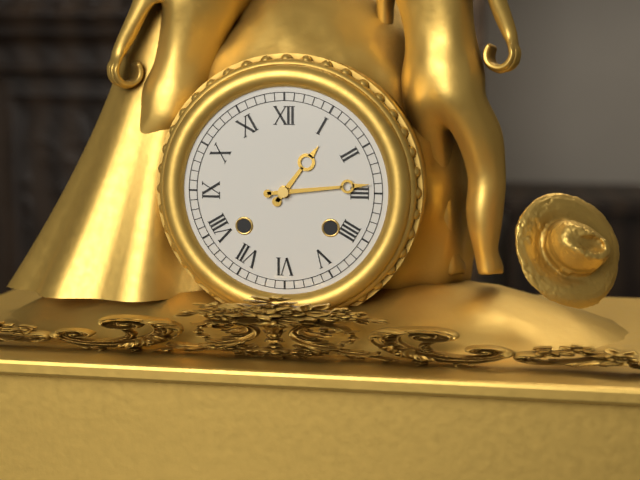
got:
1:14
